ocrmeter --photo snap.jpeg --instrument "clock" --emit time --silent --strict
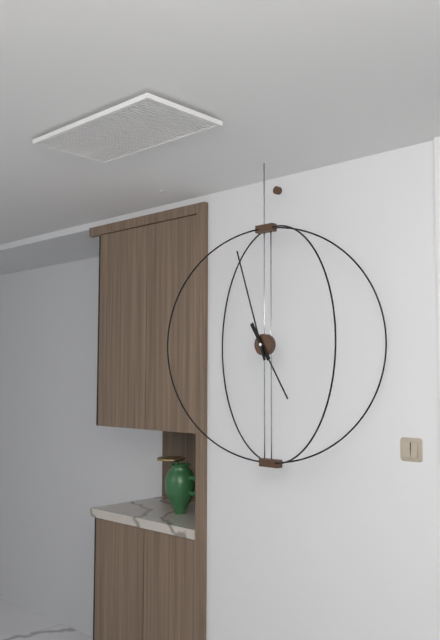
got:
4:57
